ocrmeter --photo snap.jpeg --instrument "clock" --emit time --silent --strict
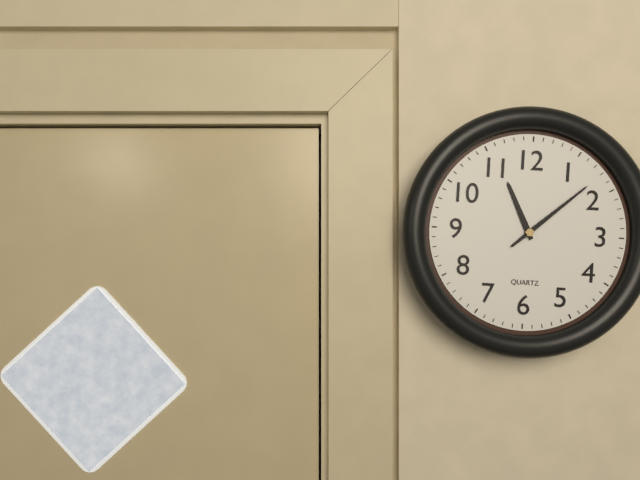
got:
11:08
